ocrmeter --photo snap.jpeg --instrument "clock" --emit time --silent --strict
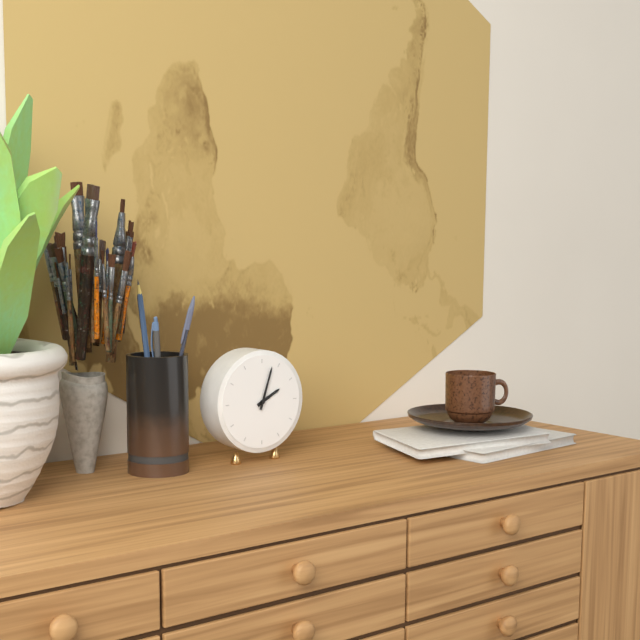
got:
2:03
